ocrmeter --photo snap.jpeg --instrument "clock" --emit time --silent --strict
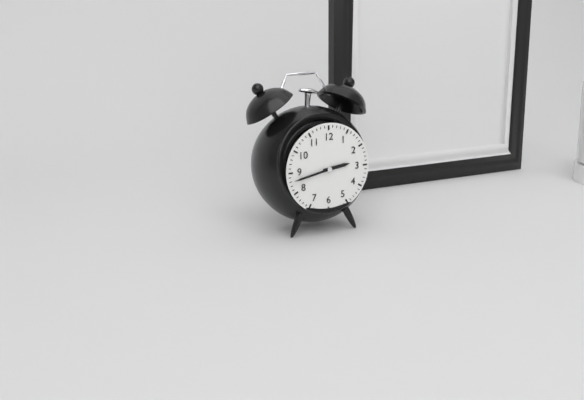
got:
2:43
